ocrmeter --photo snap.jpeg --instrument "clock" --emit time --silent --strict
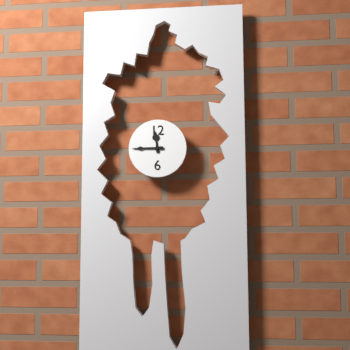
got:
11:45
